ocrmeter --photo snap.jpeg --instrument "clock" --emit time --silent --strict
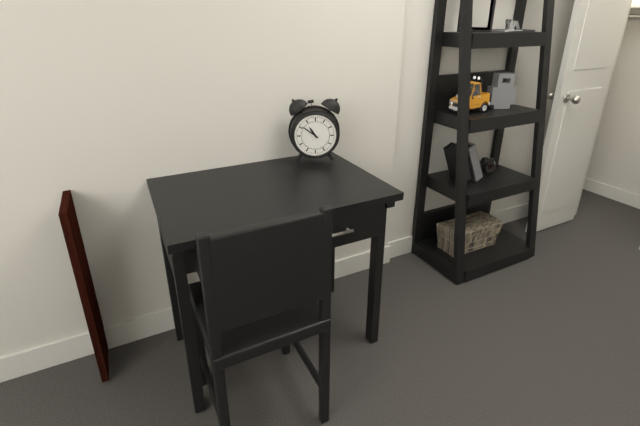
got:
10:51
